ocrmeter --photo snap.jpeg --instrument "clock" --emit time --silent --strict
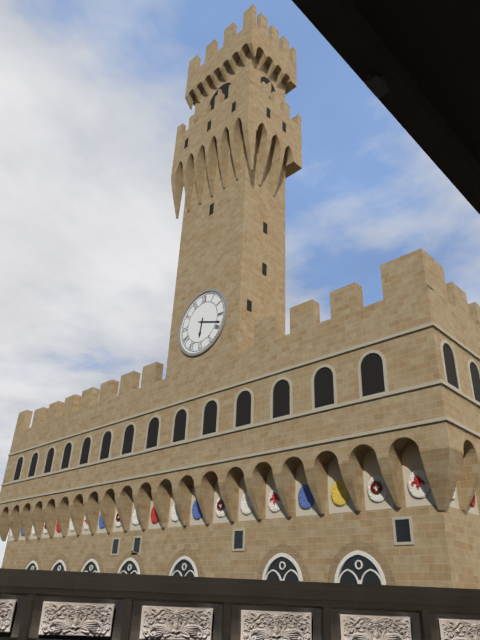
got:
6:18
